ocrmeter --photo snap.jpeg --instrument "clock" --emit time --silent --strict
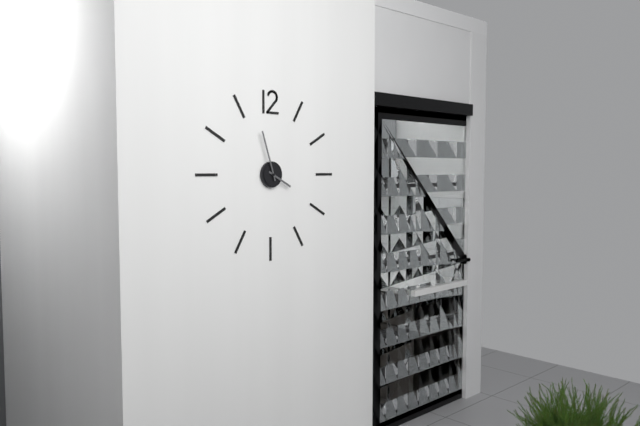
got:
3:57
